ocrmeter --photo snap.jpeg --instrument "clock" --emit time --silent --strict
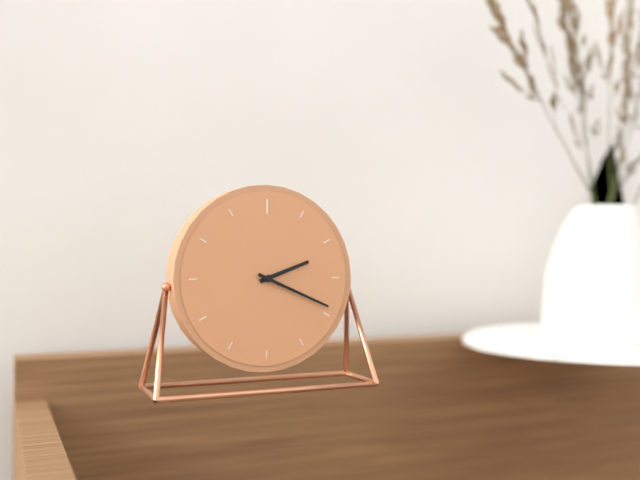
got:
2:19
